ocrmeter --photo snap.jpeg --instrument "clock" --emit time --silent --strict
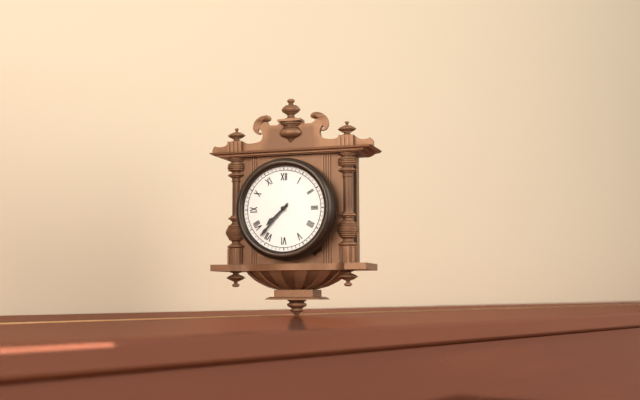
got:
7:37
